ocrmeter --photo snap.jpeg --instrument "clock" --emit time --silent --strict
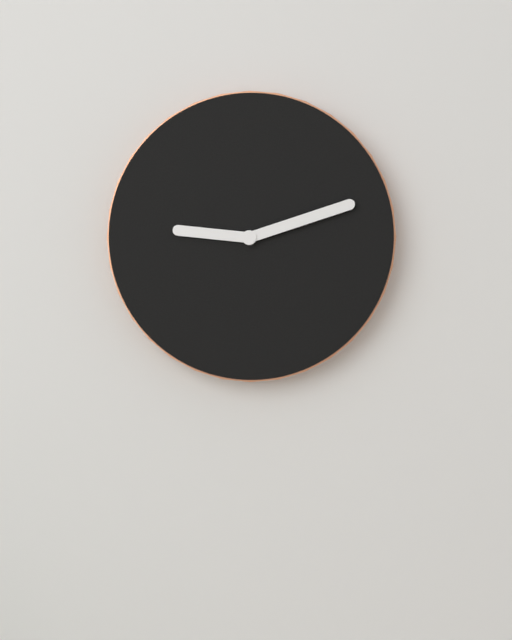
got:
9:12
